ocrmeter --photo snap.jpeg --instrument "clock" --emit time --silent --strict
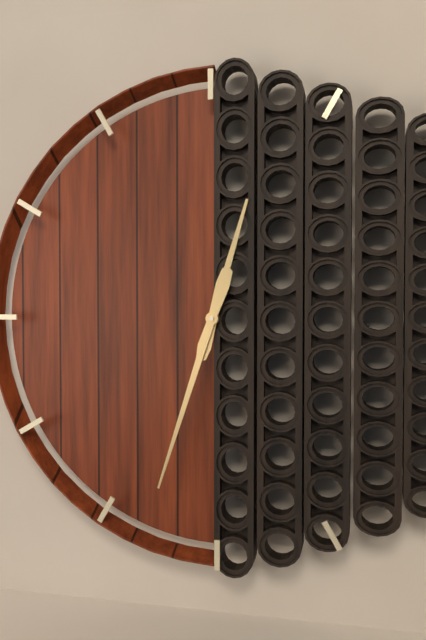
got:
12:33
